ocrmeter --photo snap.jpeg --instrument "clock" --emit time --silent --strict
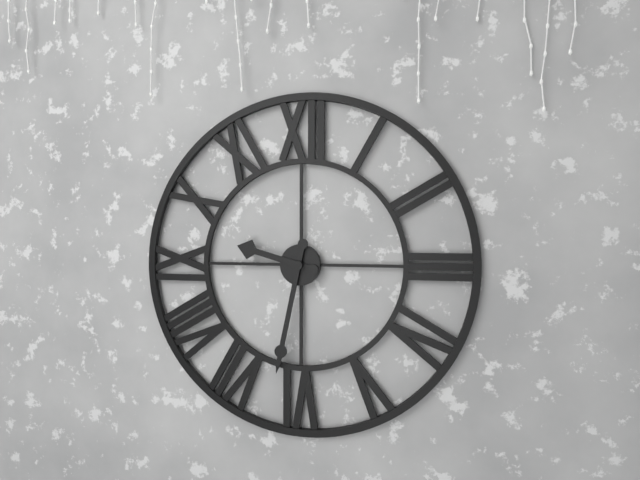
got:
9:32
